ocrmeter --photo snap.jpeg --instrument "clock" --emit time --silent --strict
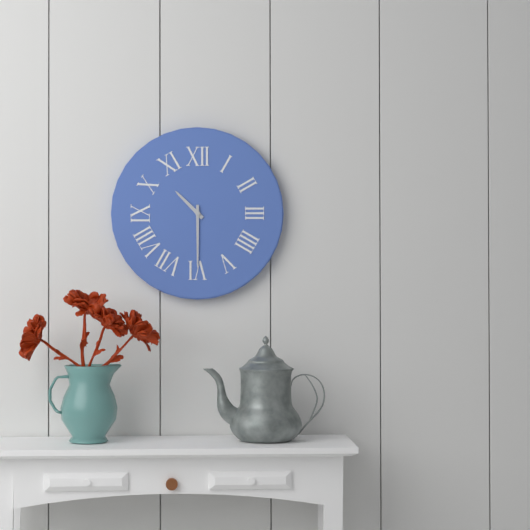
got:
10:30
